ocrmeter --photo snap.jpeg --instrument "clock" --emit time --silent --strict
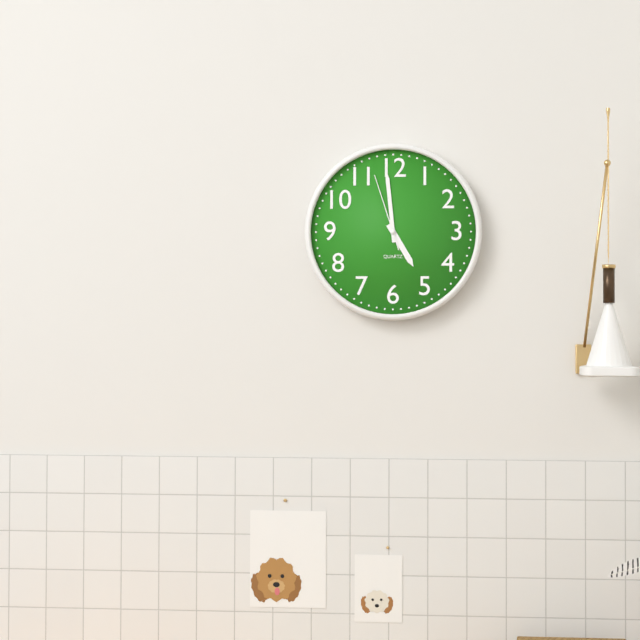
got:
4:59:57
